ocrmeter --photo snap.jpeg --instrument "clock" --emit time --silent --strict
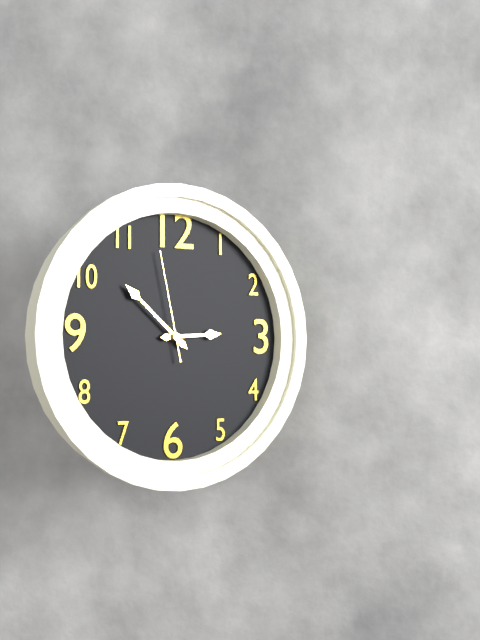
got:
2:52:58
